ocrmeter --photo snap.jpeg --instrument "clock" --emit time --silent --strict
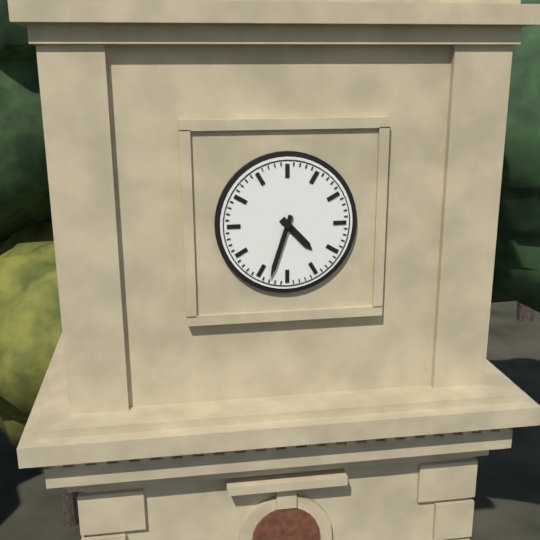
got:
4:33
